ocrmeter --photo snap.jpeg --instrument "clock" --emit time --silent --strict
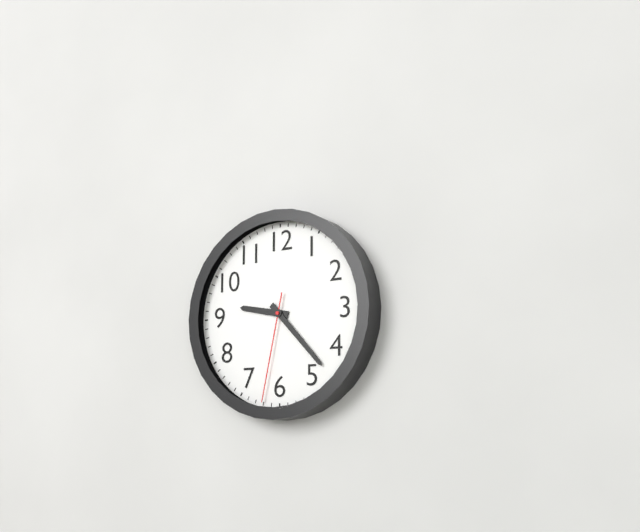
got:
9:23:32
